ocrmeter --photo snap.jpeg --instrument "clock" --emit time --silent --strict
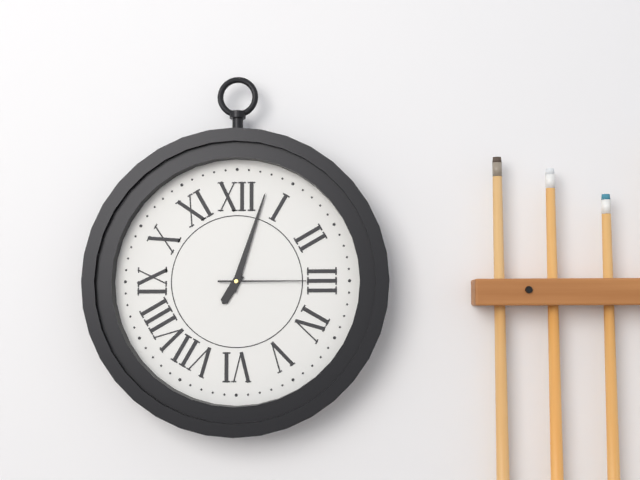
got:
7:03:15
